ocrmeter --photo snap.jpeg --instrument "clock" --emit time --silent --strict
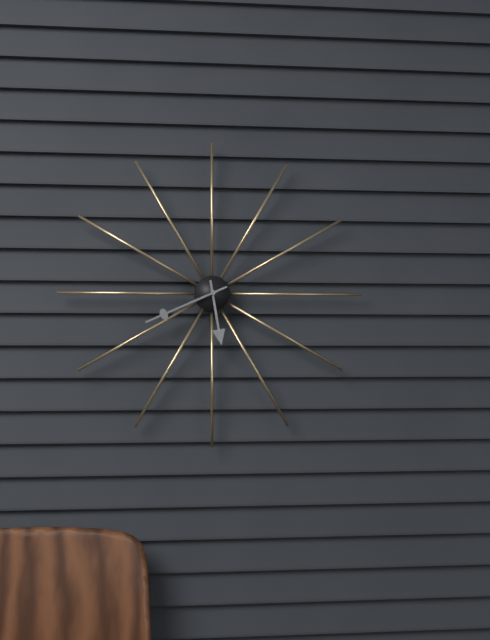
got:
5:41
